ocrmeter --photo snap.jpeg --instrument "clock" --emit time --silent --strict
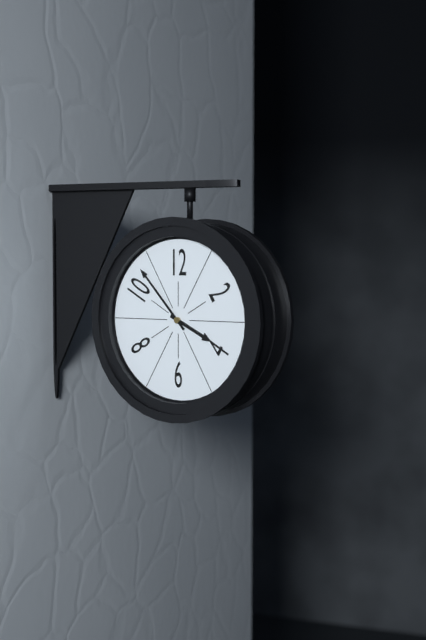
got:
3:53
